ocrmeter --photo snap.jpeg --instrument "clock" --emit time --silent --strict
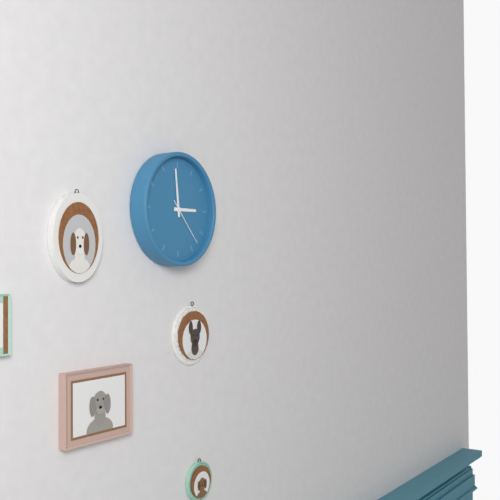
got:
2:59
